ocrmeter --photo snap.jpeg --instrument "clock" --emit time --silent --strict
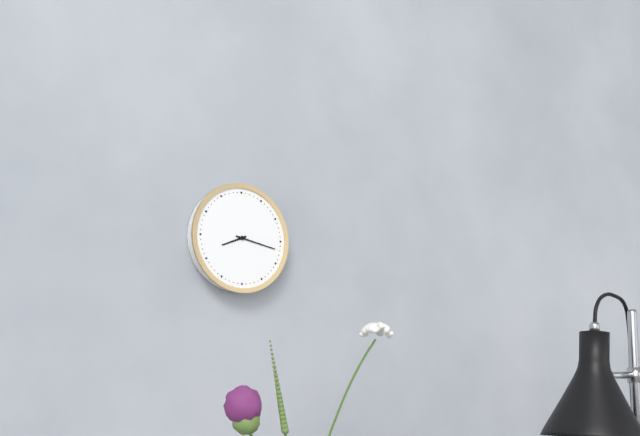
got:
8:17
